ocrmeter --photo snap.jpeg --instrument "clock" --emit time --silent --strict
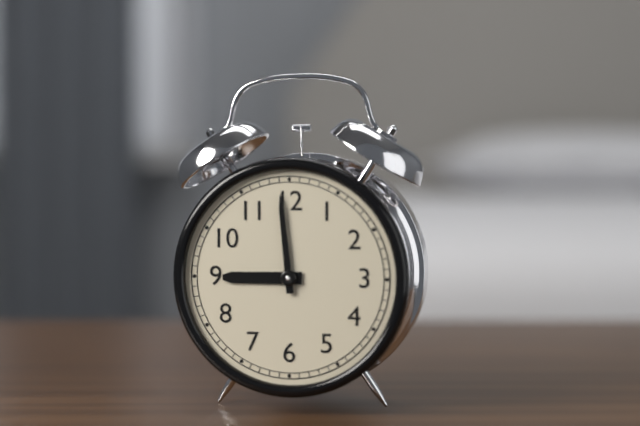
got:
8:59
